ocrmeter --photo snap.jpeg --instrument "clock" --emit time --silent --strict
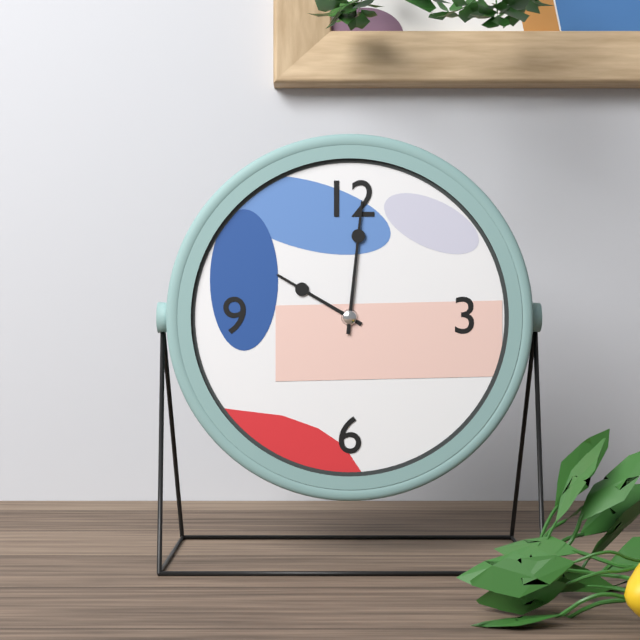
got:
10:01
